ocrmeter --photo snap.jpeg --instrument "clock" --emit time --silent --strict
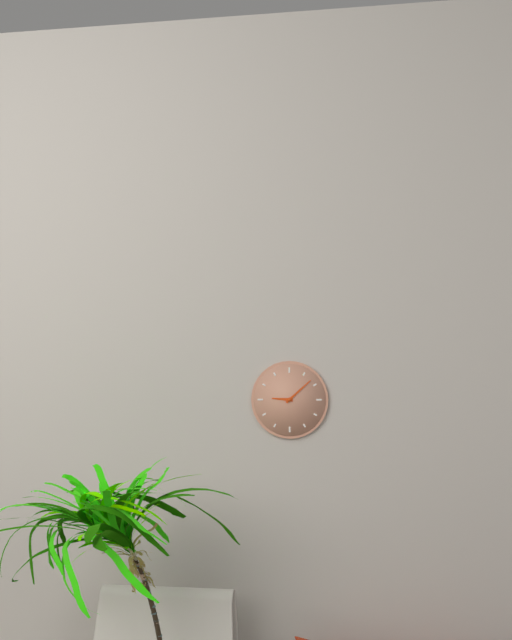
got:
9:08
